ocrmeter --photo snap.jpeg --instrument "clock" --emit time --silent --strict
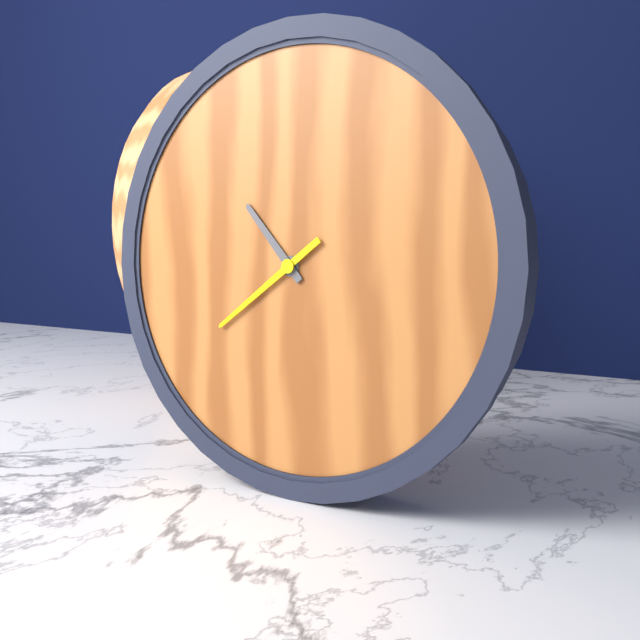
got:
10:39
